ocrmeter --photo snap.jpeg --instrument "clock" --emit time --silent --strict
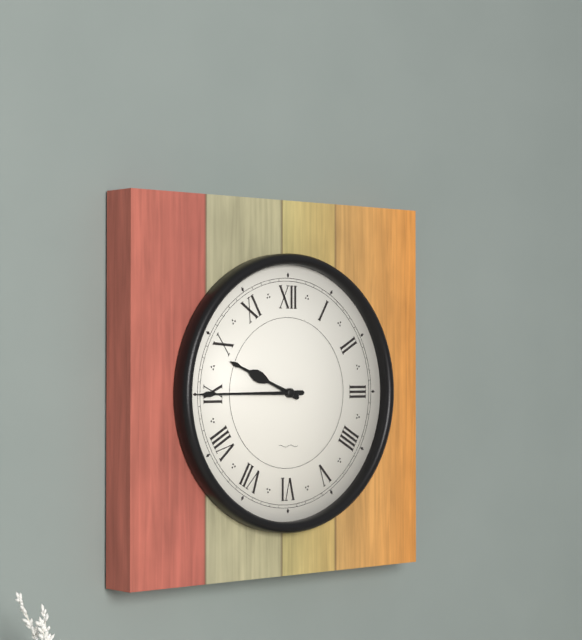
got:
9:45
